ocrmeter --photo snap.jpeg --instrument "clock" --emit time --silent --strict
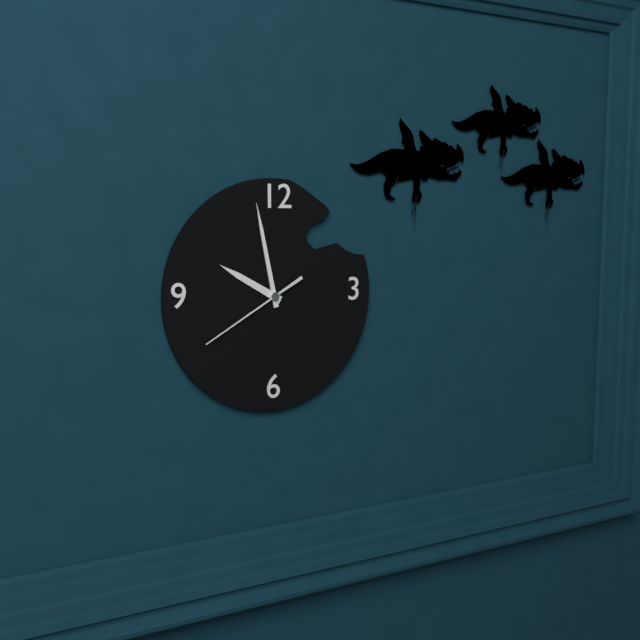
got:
9:58:40
